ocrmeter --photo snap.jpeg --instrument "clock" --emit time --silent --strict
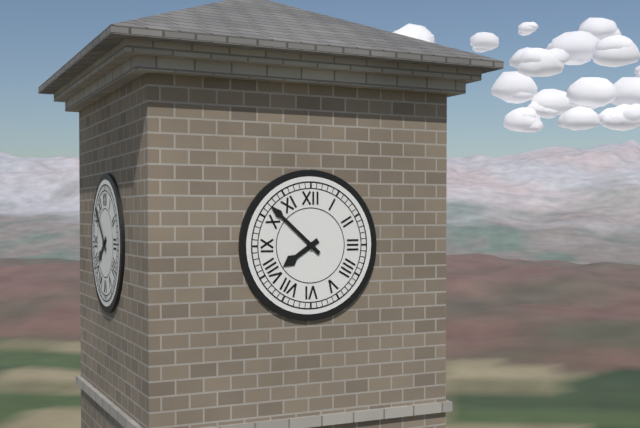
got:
7:52
